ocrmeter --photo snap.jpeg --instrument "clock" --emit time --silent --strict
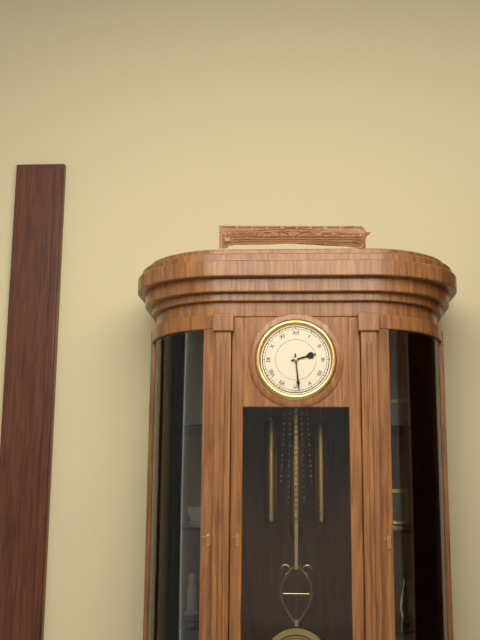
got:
2:29
